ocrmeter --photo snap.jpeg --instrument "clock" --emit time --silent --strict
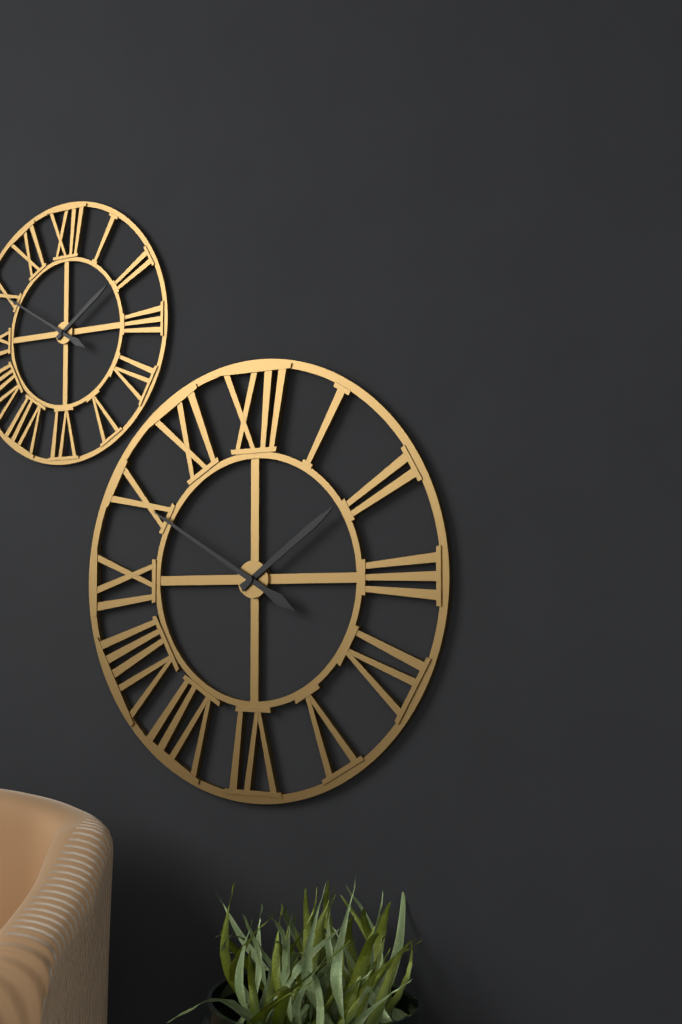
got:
1:50
